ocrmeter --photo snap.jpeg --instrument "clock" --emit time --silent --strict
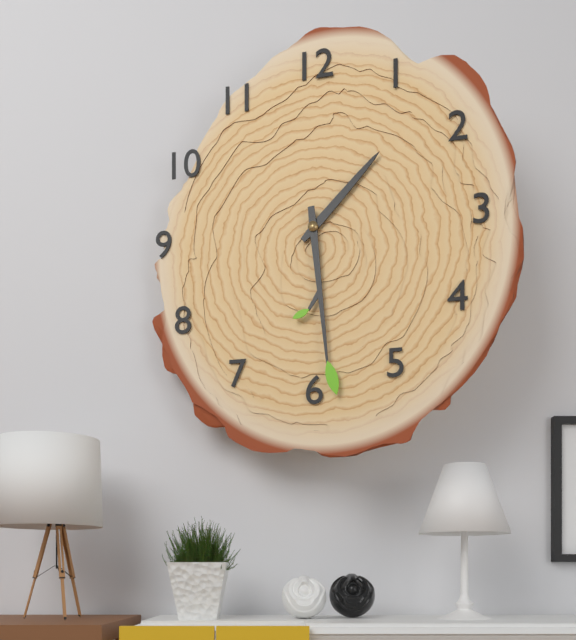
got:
1:29
